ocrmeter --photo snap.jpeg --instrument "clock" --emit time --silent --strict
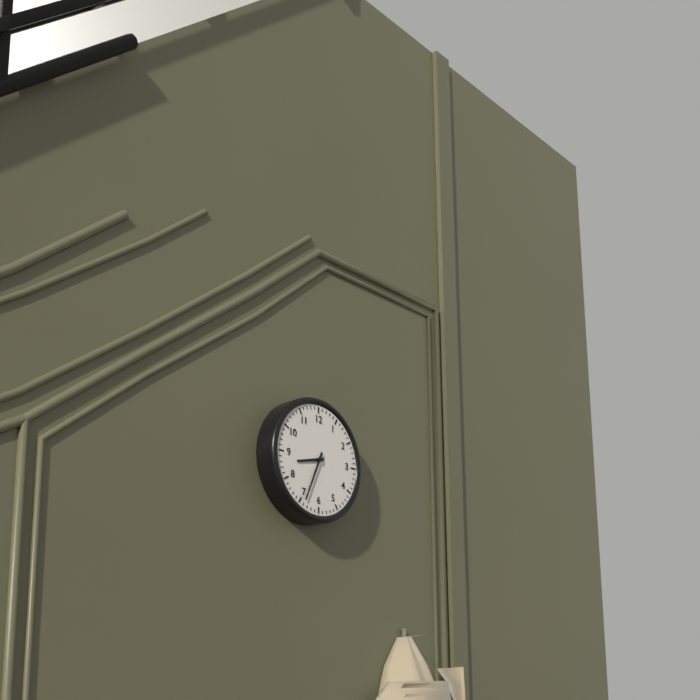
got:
8:34
